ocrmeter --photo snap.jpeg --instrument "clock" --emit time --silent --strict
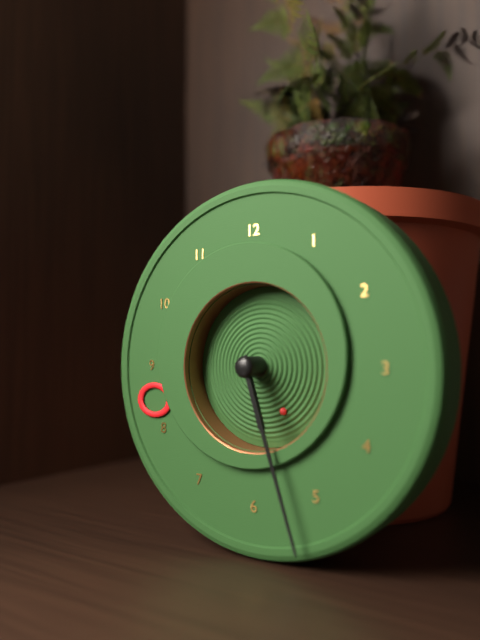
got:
5:27:25
